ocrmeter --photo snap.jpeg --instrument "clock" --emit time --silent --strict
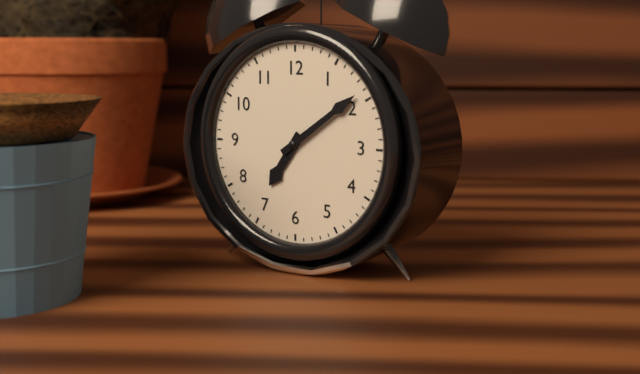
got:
7:09
